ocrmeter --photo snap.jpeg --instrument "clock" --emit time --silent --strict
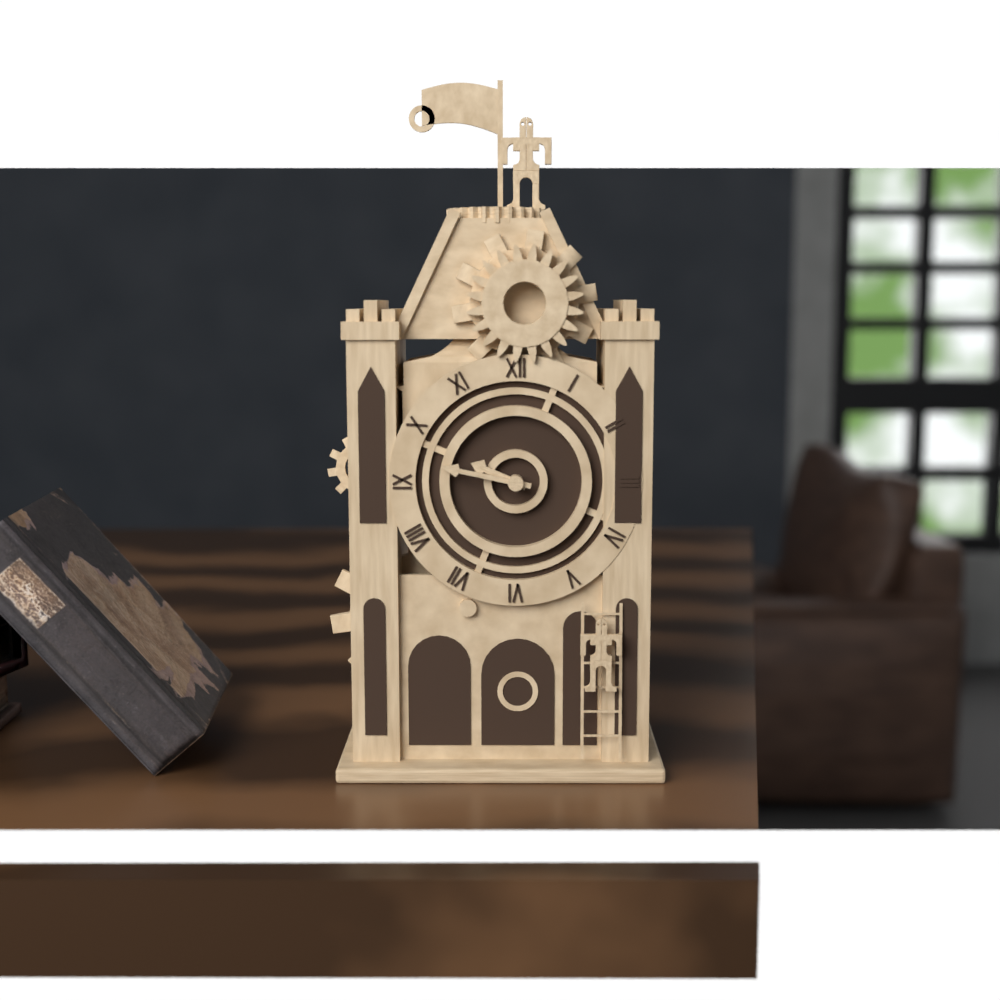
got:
9:47
